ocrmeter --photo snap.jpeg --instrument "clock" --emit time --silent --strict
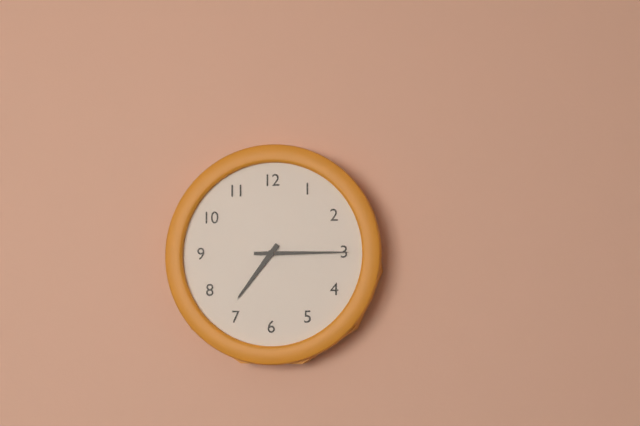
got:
7:15
